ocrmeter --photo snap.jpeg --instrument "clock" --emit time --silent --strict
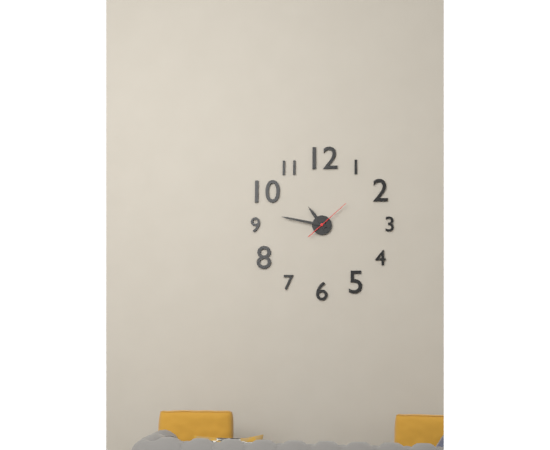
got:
10:47
